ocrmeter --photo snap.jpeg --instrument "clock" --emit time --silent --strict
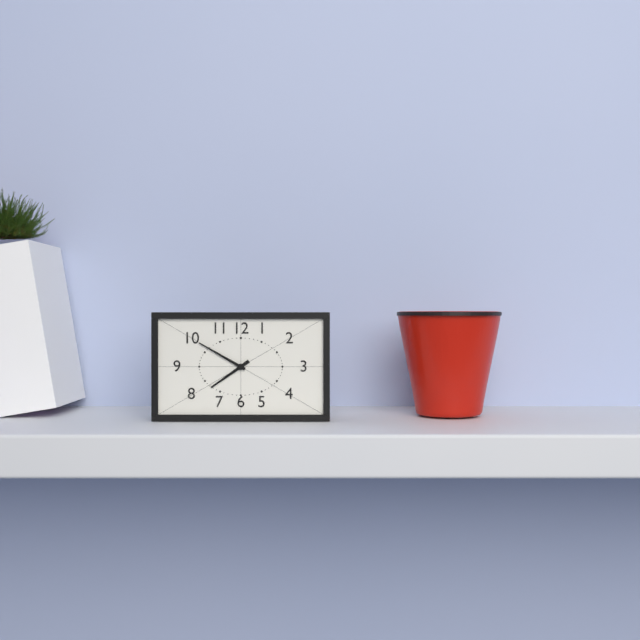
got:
7:50
